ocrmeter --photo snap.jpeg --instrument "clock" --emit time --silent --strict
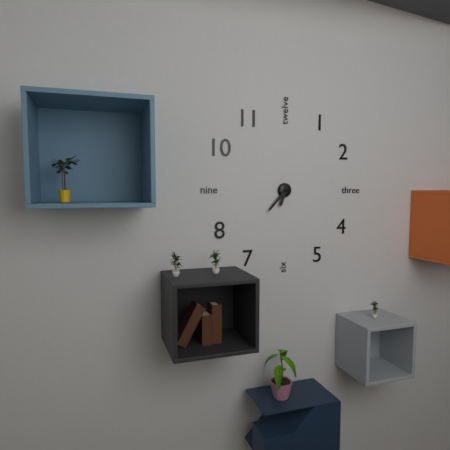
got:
6:37
